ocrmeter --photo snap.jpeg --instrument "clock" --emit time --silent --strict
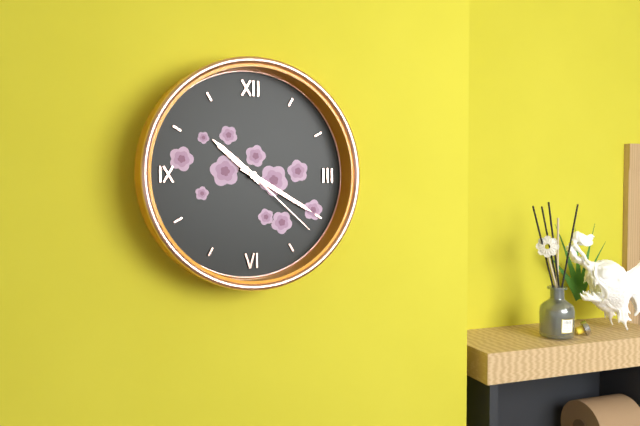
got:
10:20:22
